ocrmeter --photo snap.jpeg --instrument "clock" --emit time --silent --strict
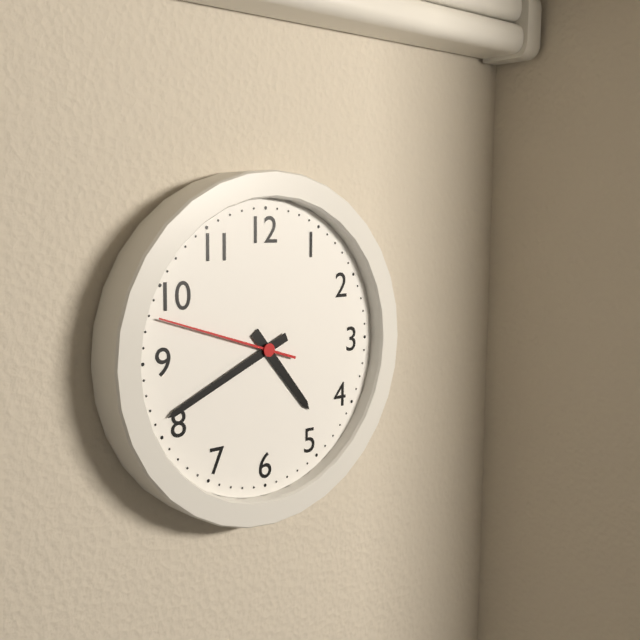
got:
4:41:48
